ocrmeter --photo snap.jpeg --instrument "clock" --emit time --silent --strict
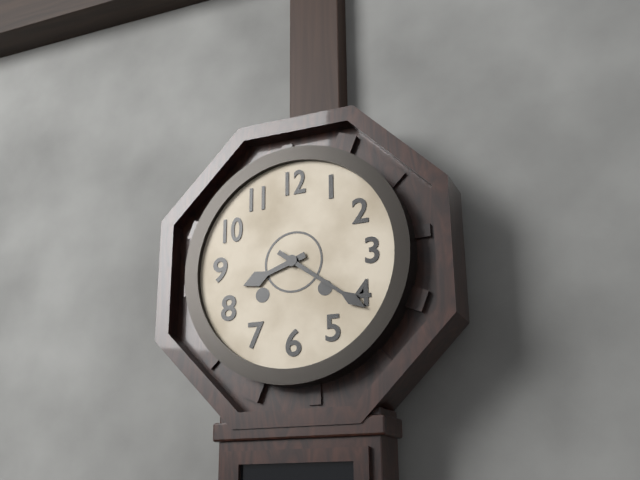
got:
8:21
